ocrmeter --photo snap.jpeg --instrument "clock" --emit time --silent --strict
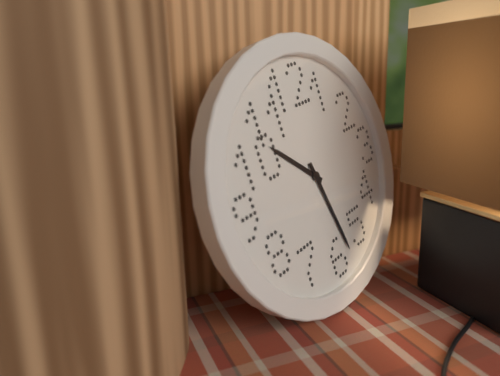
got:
10:28
